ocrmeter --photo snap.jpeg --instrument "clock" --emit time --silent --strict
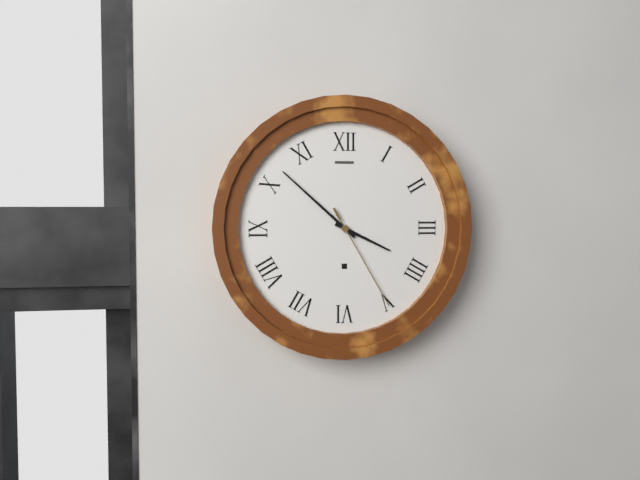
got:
3:52:25
